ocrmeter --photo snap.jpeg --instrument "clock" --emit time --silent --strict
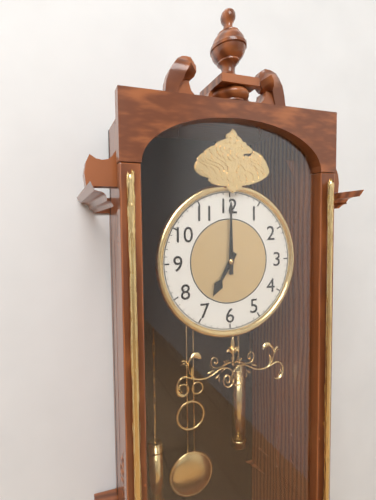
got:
7:00
